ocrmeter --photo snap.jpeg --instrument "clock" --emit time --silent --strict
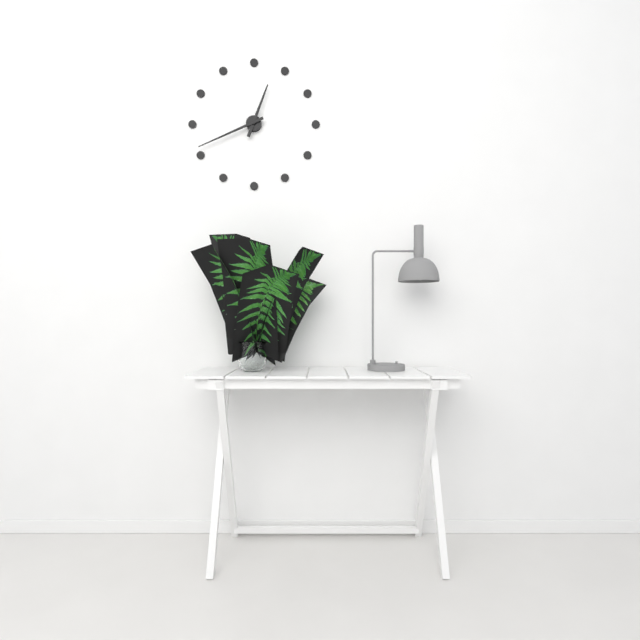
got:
12:41
